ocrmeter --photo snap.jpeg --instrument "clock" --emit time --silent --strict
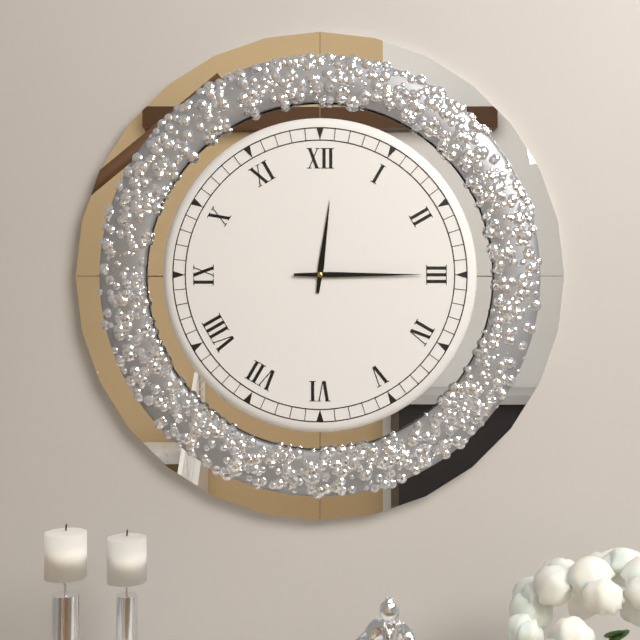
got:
12:15
